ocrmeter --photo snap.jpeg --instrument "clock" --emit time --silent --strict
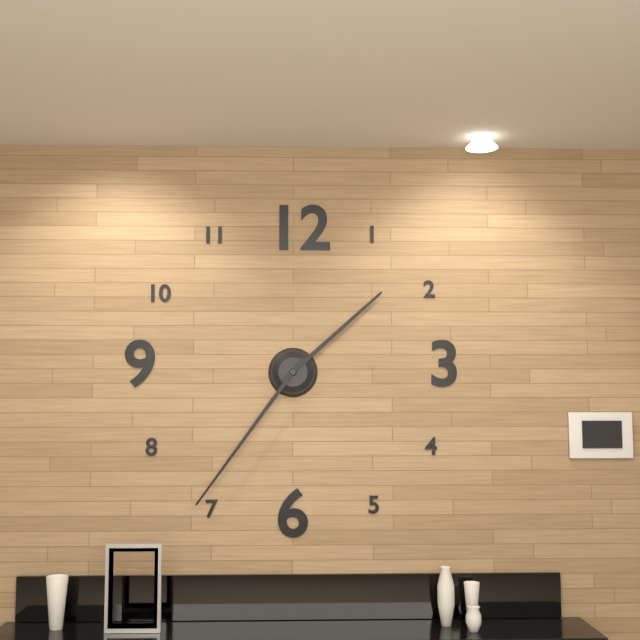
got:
1:36
